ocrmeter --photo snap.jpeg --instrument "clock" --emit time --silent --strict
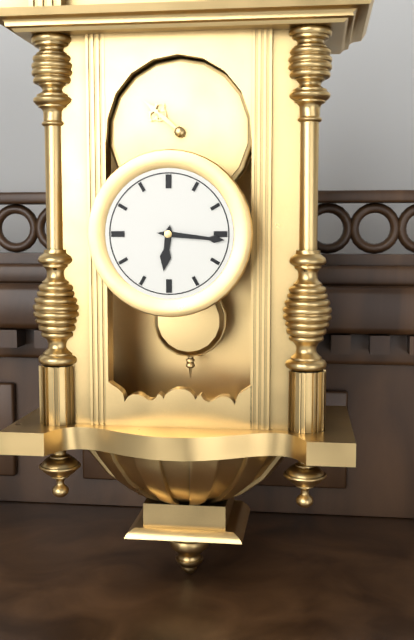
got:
6:16
